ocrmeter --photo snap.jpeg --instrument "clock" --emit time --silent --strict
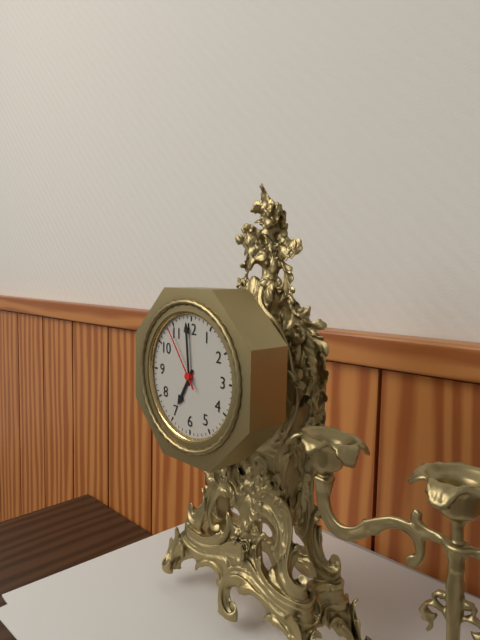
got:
6:59:54
